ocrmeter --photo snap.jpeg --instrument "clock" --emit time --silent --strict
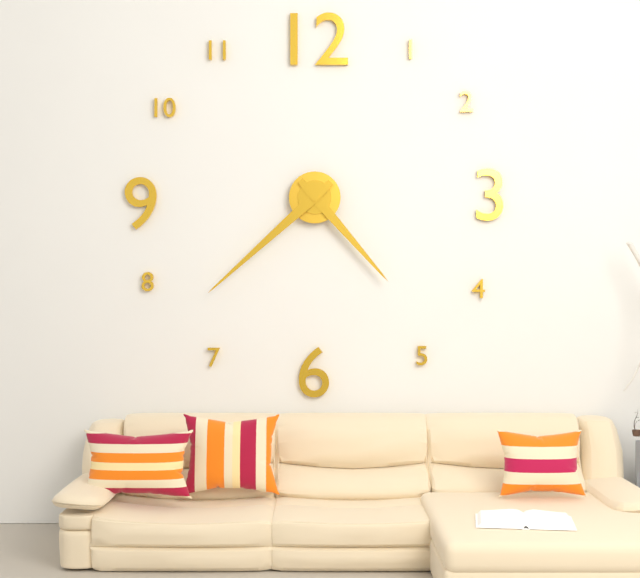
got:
4:38
